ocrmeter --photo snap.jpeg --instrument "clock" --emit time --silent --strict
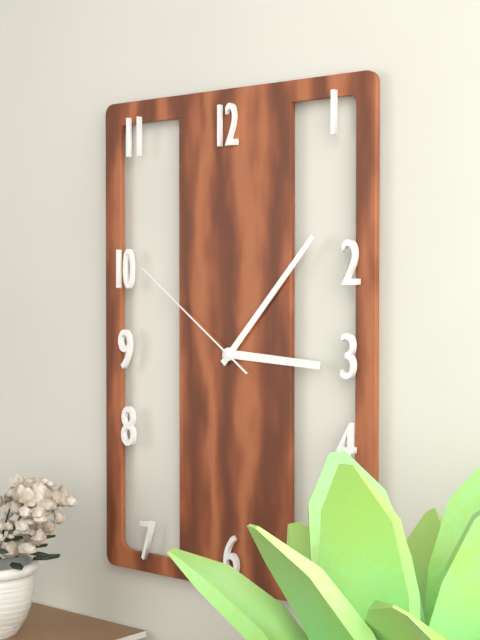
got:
3:07:51
